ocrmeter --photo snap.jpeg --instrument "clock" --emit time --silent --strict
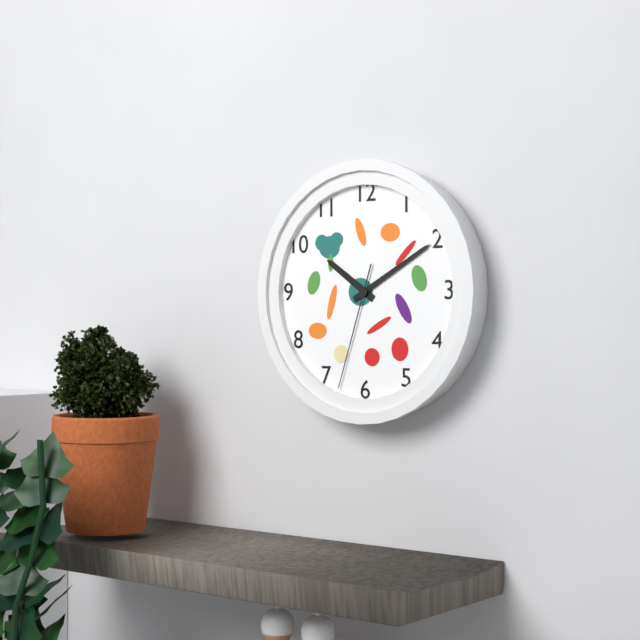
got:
10:10:33
